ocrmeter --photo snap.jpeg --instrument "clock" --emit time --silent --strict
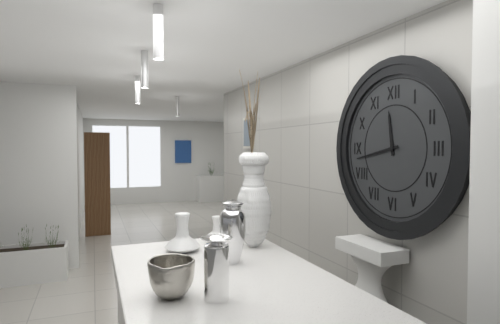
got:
11:43
